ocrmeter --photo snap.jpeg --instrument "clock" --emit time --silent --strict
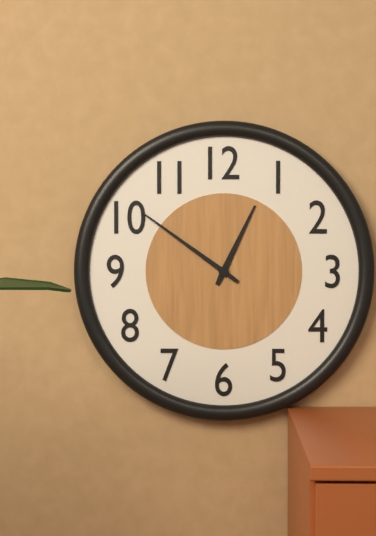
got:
12:51
